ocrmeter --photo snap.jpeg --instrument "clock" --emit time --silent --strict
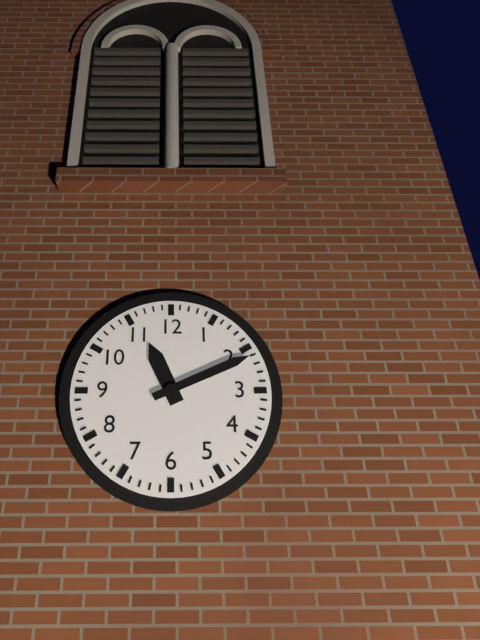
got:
11:11
